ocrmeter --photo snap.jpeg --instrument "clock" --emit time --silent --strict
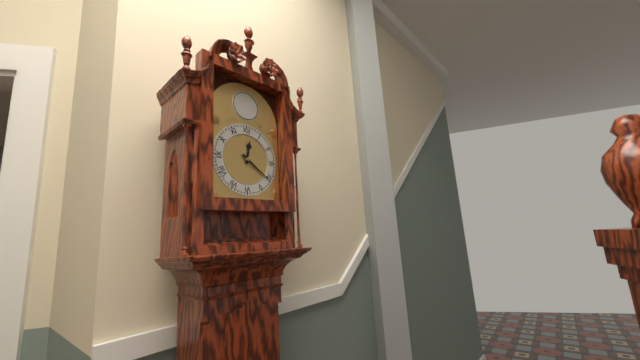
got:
12:21
